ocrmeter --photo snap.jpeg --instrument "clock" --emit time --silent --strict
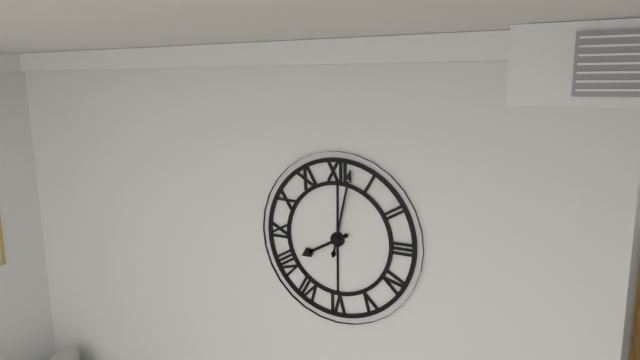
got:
8:02
